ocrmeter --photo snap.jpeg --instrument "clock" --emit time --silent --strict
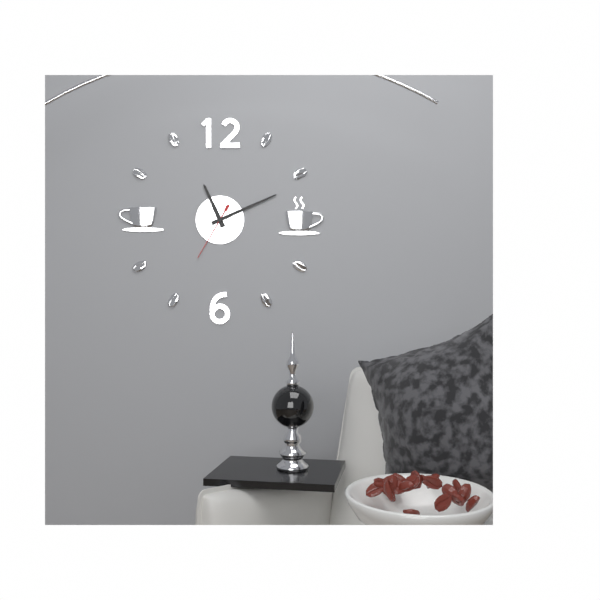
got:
11:11:35
